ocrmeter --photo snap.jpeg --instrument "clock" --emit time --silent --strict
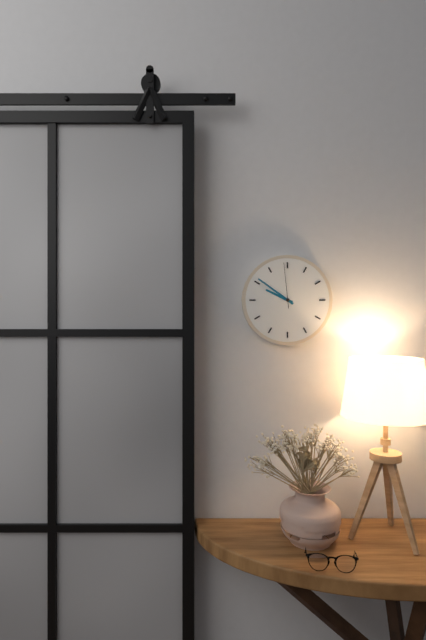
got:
9:51
